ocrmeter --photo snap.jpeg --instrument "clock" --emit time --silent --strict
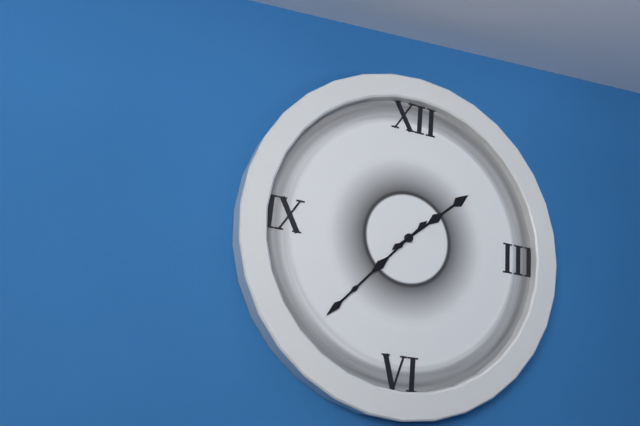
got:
1:37
